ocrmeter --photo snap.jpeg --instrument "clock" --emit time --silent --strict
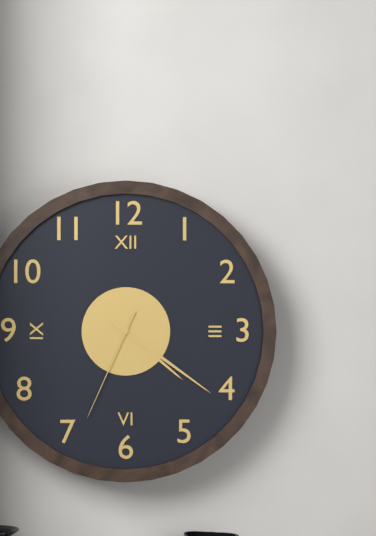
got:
4:21:34
